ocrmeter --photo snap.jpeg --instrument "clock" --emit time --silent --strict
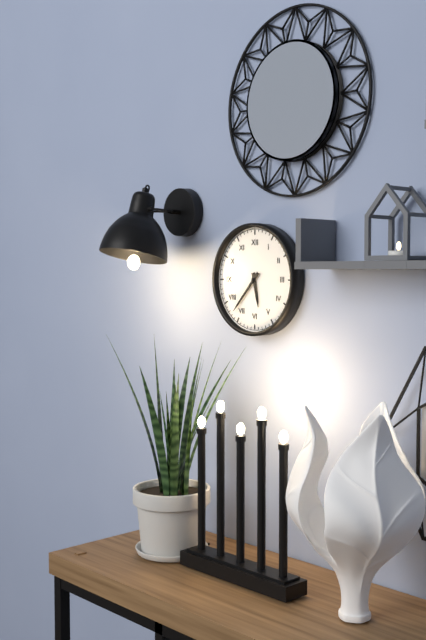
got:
5:37
